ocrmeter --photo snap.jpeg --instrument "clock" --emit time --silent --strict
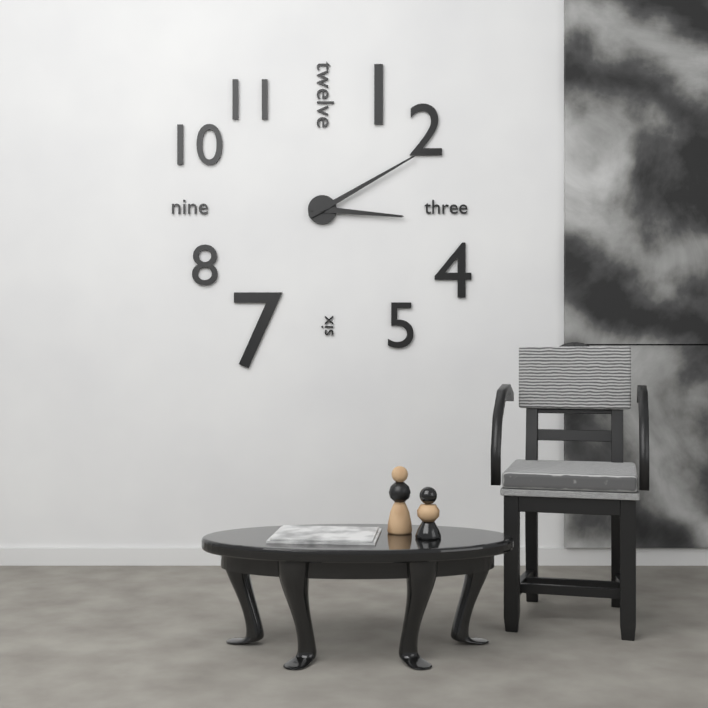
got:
3:10
